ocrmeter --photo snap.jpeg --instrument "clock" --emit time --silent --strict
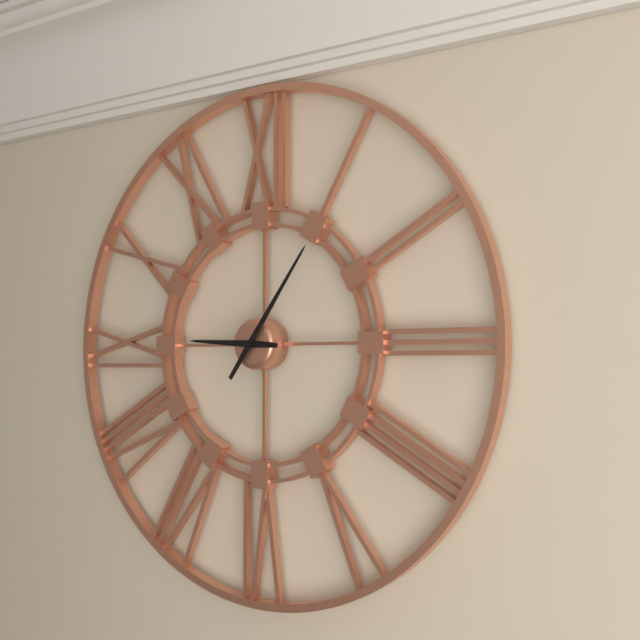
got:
9:06
